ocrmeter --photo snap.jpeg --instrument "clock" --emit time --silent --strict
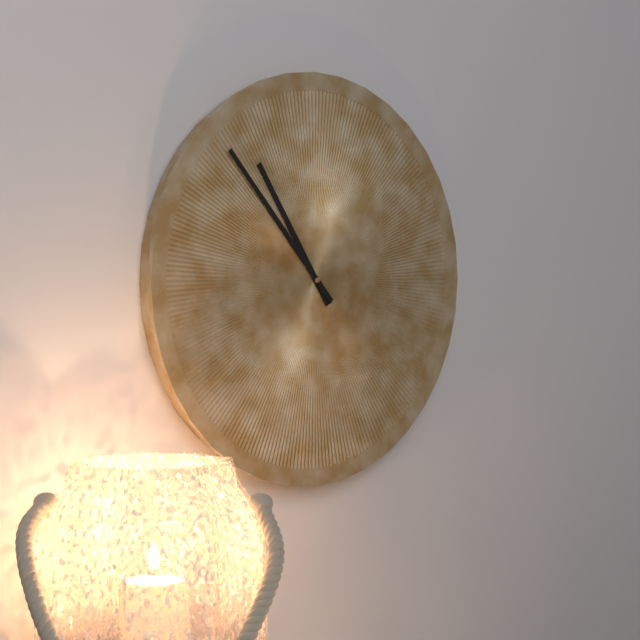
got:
10:53
